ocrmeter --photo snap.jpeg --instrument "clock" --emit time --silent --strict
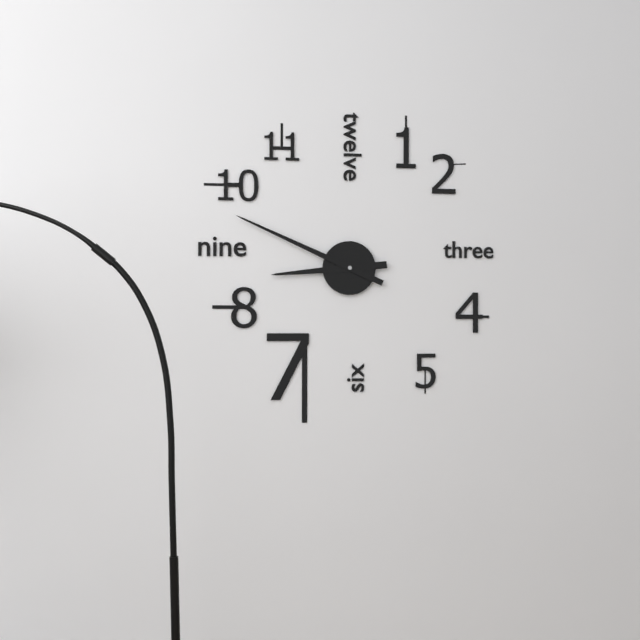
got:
8:49
